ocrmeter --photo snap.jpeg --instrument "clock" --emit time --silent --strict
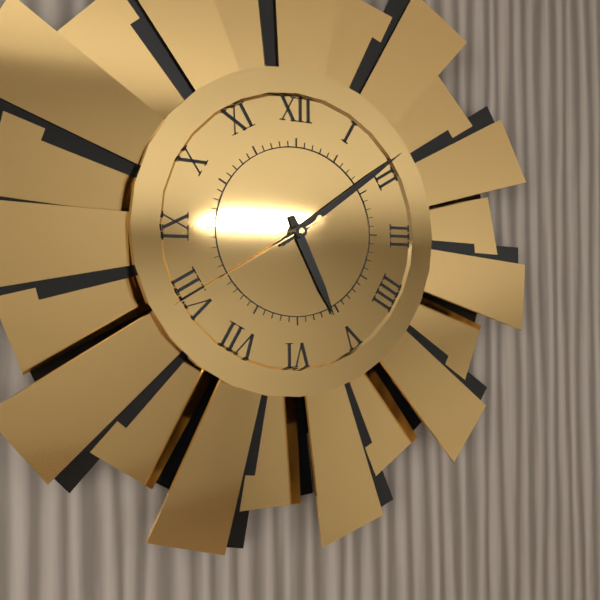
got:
5:09:40
